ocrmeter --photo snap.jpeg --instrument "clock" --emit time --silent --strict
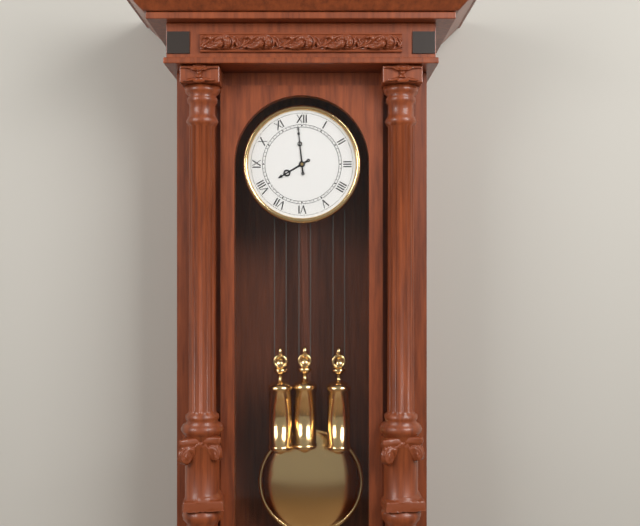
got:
7:59
